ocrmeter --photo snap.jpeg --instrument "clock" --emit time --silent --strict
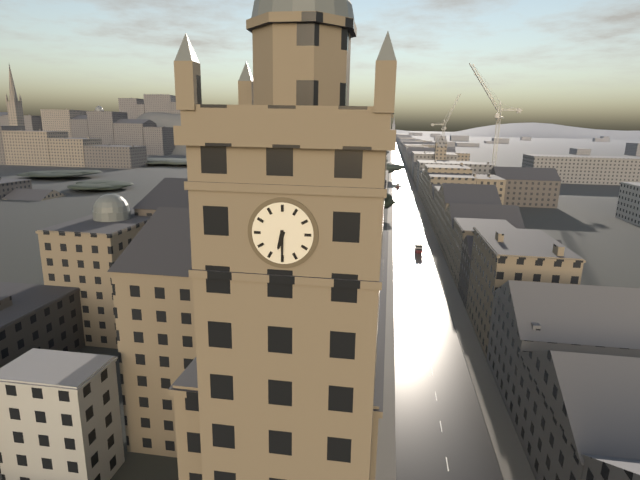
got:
6:30
